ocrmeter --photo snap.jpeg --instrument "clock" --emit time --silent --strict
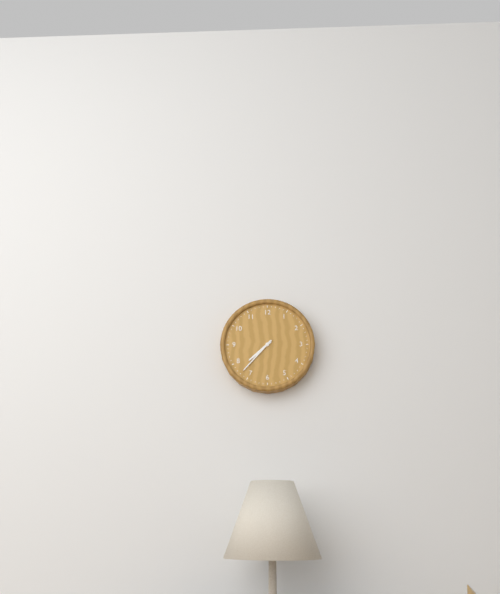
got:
7:37
